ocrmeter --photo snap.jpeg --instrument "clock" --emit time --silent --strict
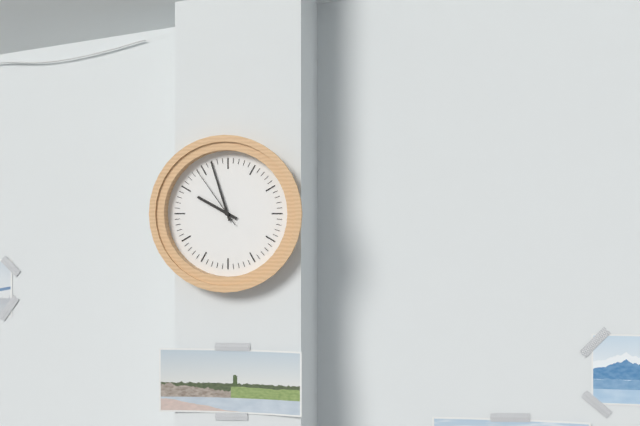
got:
9:57:54
